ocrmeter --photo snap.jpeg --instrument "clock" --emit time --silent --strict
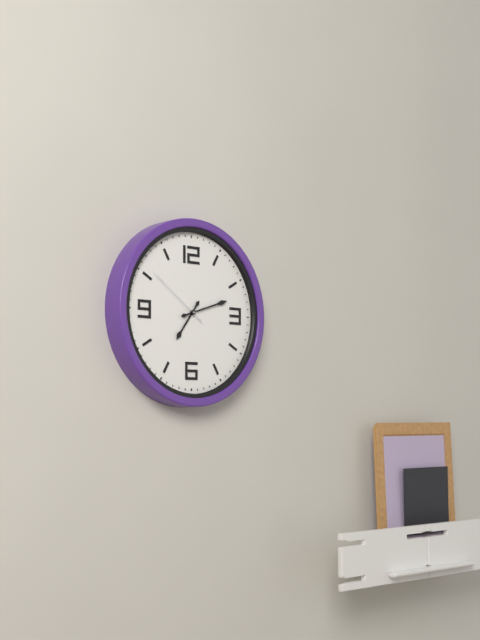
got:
7:12:51
